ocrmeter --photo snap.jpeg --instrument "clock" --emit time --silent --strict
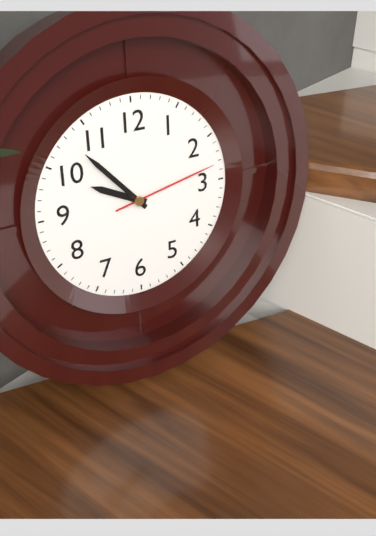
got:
9:53:13
